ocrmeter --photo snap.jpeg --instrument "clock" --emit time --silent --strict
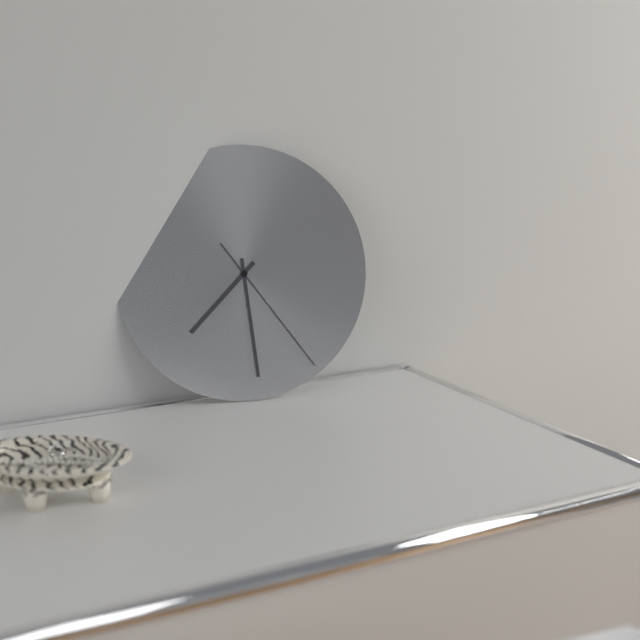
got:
7:29:24
